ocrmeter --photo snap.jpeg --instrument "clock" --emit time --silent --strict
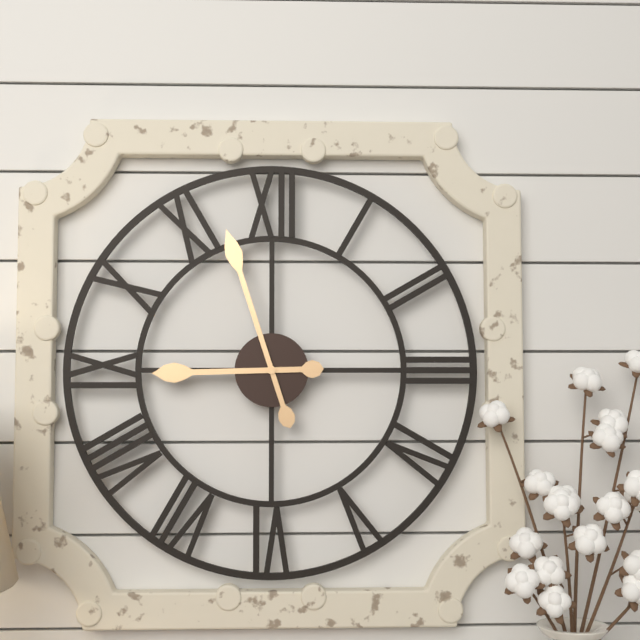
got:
8:57
